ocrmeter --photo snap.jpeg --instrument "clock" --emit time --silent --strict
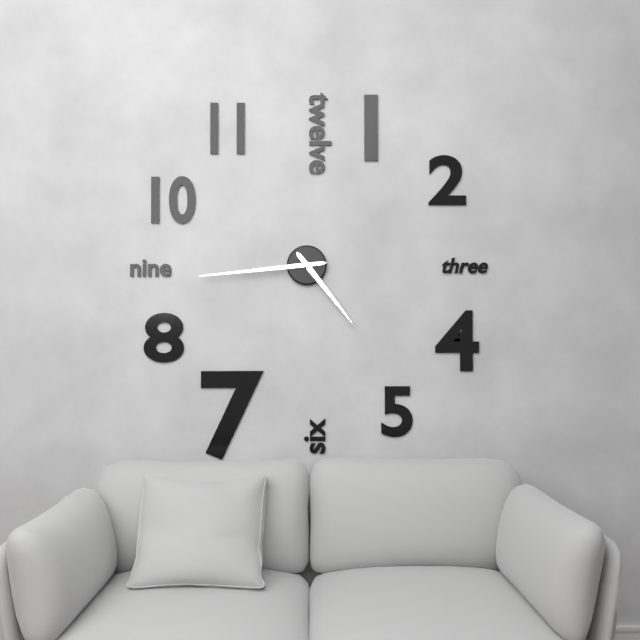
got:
4:44
